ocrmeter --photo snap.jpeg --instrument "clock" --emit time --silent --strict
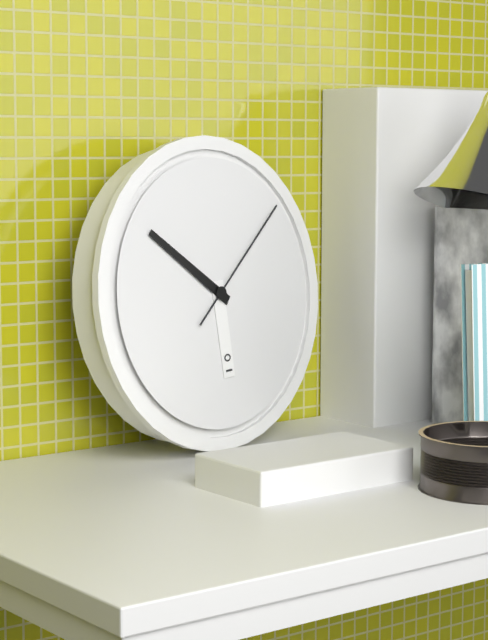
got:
5:51:08
